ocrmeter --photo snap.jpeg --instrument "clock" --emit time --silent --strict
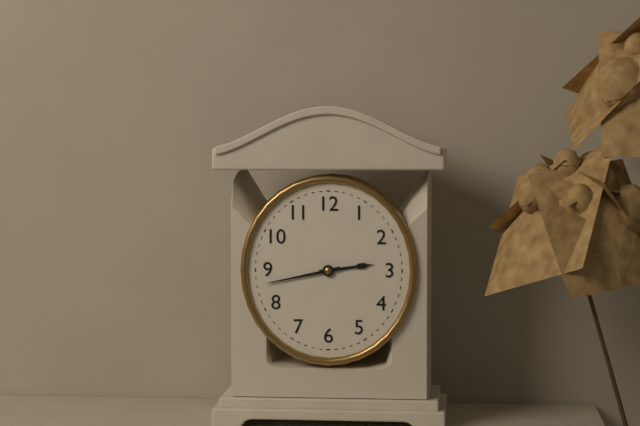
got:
2:43
